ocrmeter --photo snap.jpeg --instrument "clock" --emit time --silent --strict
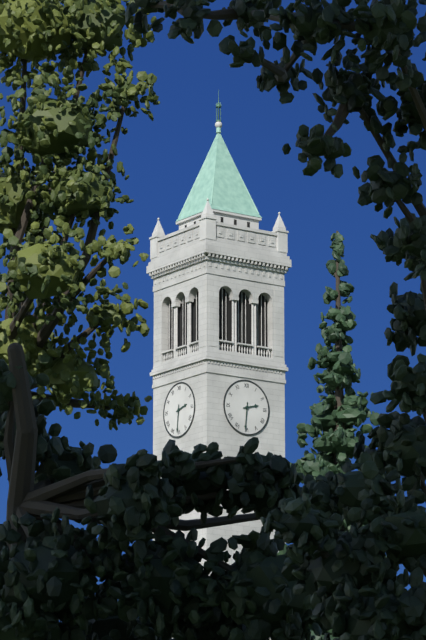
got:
2:31
